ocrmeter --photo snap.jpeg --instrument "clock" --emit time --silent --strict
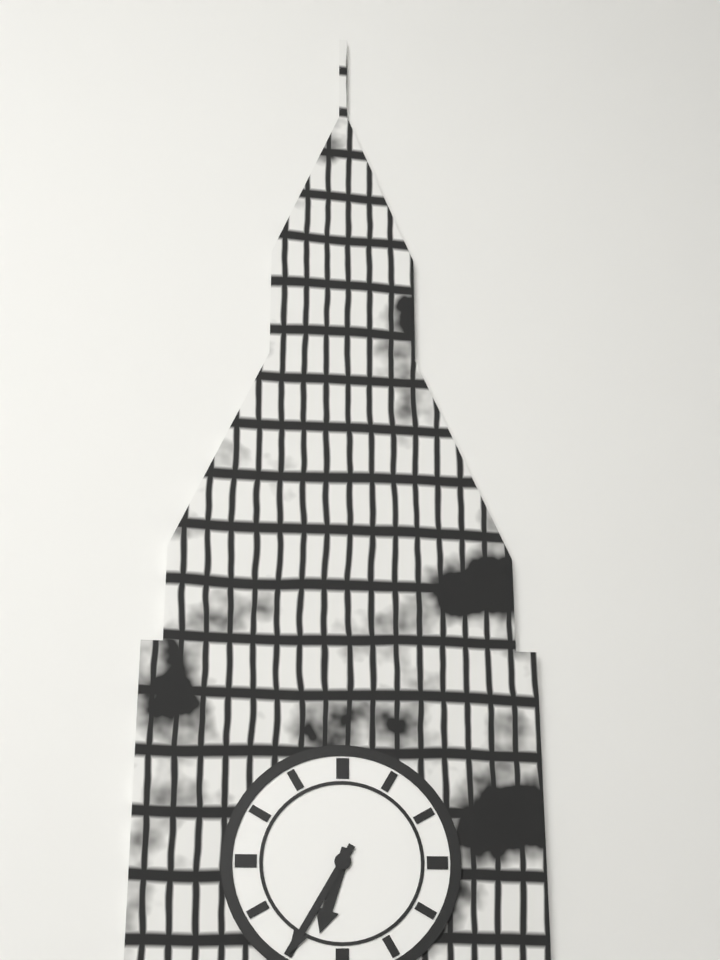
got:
6:35
